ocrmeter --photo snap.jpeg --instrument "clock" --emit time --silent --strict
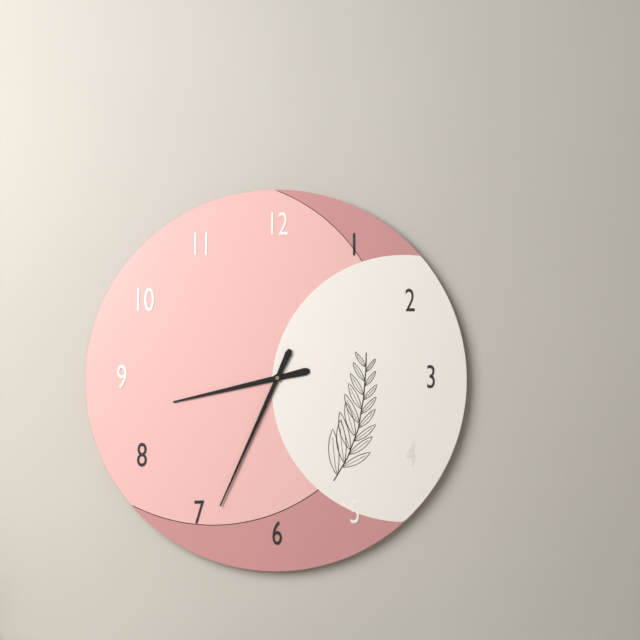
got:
8:34
